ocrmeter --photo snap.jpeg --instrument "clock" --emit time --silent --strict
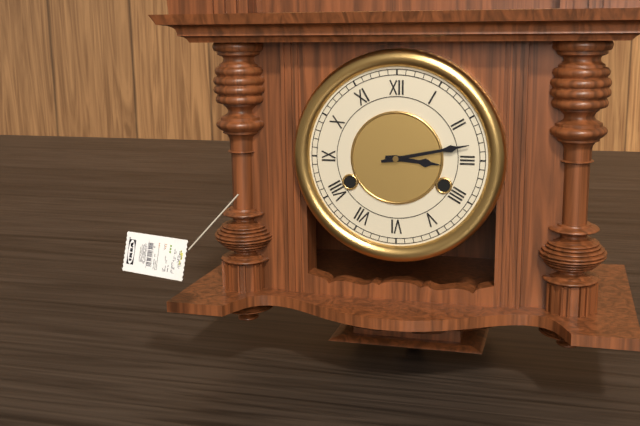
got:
3:13
